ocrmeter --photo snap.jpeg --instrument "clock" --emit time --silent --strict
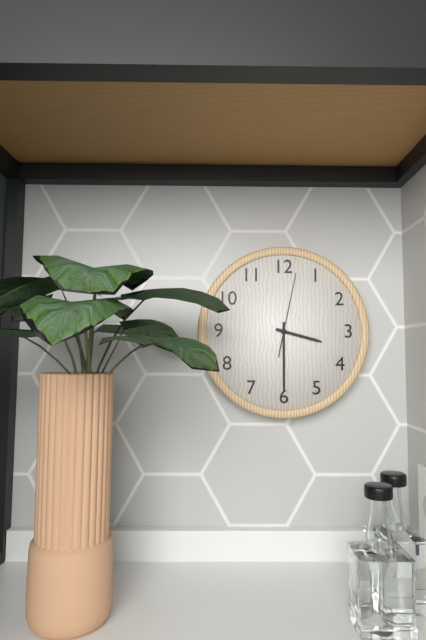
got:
3:30:02
